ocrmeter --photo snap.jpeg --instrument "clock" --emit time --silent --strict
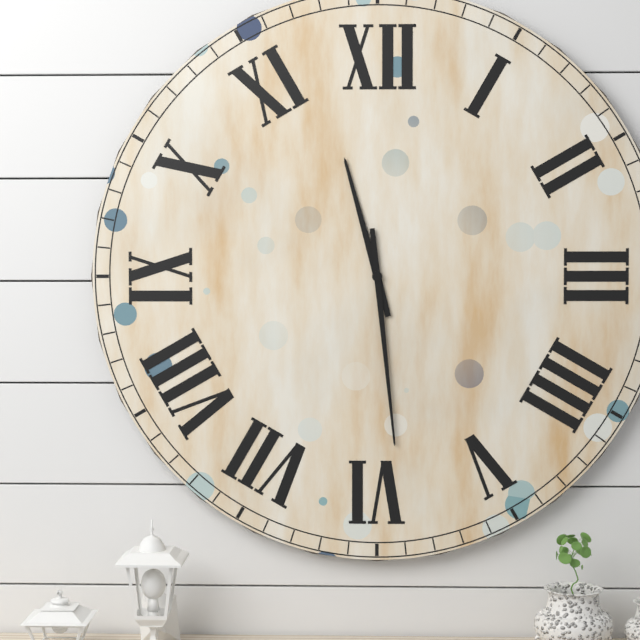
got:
11:29
